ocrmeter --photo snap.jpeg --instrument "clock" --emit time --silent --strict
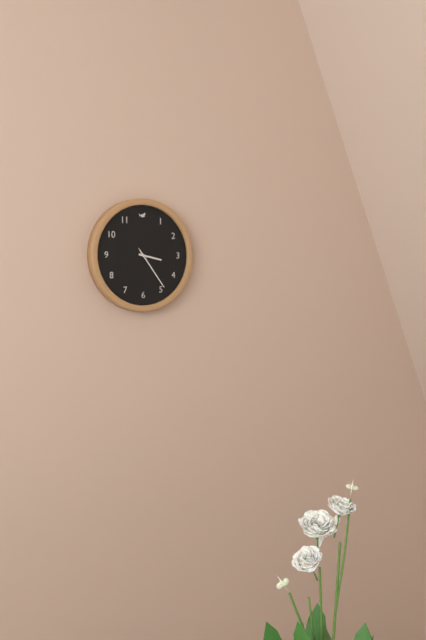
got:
3:24:24
